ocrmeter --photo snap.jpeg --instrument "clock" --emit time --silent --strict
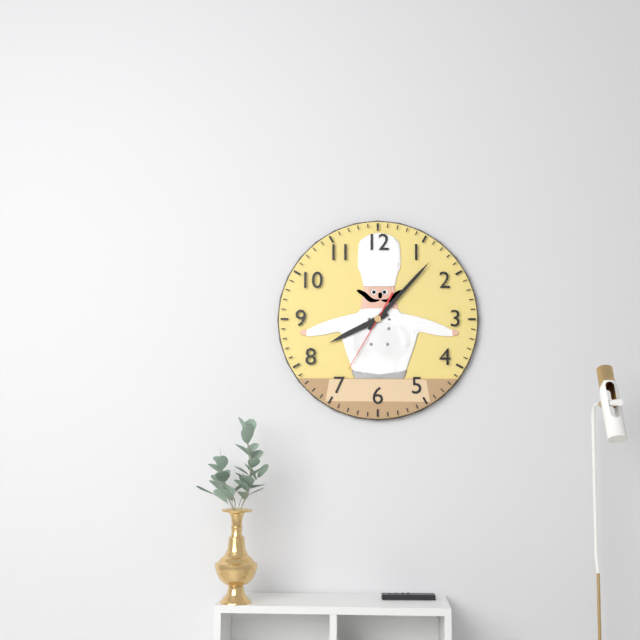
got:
8:07:35
